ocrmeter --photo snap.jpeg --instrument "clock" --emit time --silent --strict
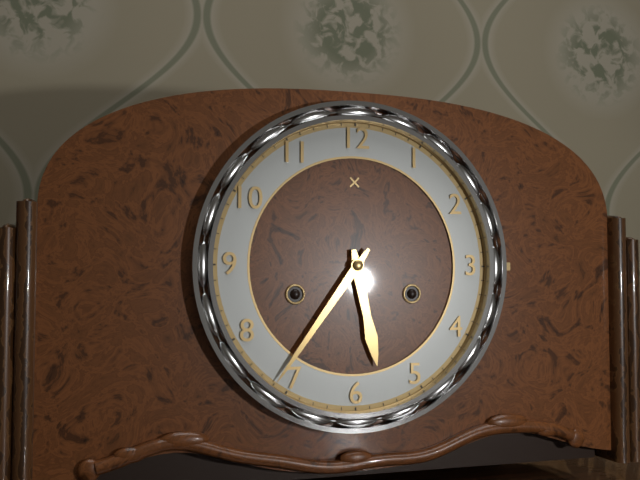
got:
5:36
